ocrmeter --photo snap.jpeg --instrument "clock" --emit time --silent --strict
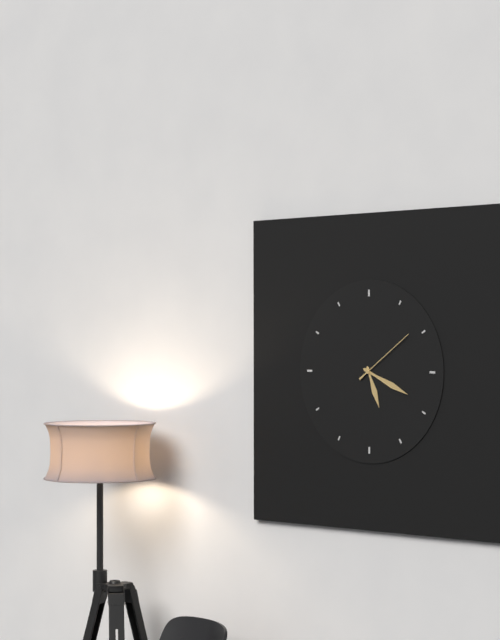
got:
5:19:09
